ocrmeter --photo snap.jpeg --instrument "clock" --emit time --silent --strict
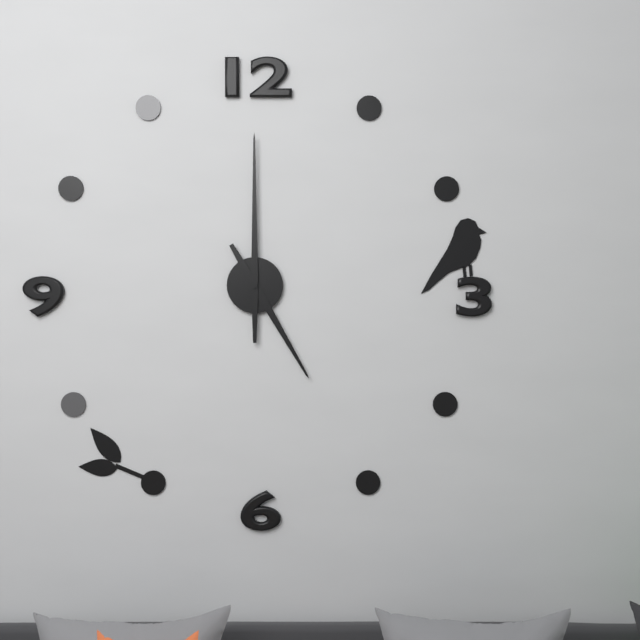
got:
5:00
